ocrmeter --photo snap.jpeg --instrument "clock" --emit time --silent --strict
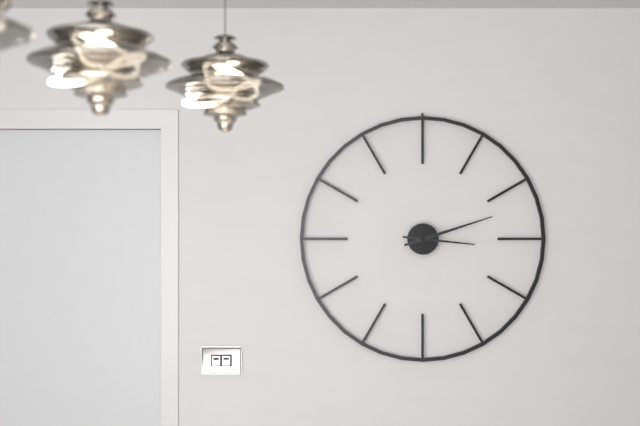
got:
3:12
